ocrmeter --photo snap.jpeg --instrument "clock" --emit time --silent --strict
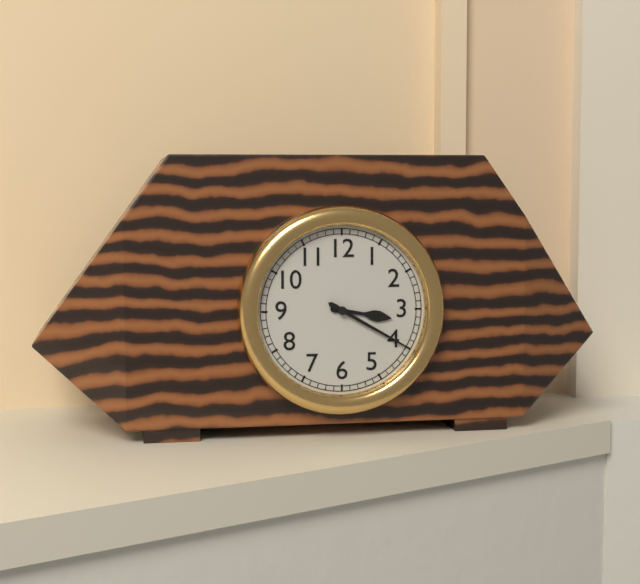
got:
3:20
